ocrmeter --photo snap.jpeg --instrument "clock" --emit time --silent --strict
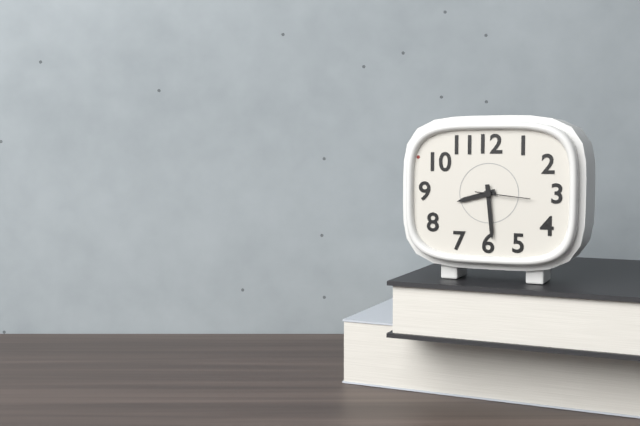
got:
8:29:16
